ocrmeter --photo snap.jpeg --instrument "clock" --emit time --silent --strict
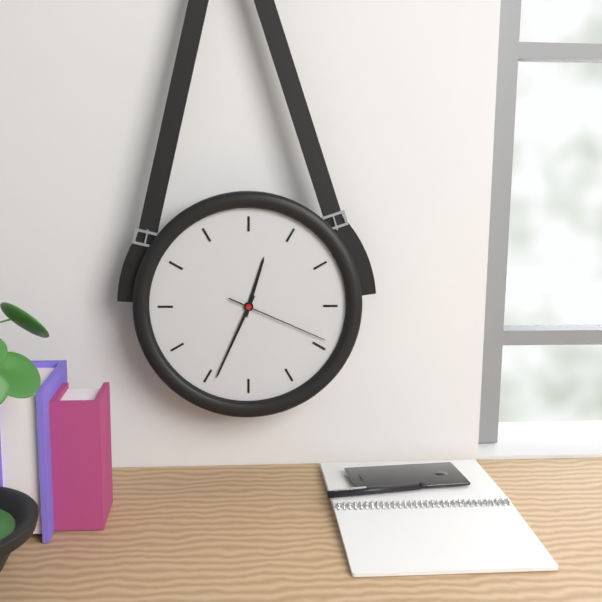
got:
12:34:19
